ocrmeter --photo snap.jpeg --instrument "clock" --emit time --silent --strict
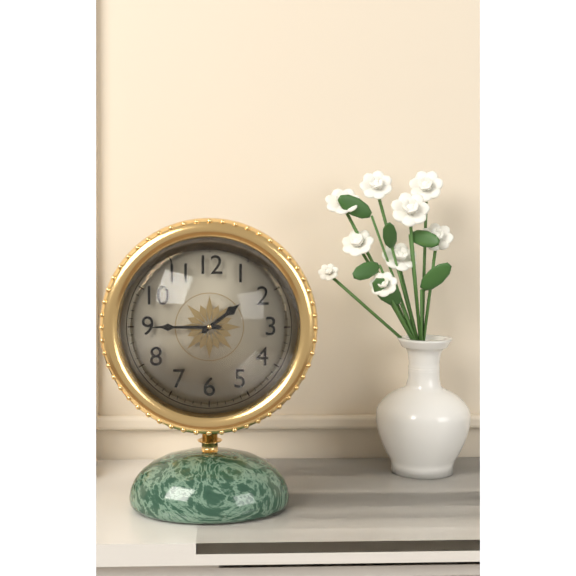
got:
1:45
